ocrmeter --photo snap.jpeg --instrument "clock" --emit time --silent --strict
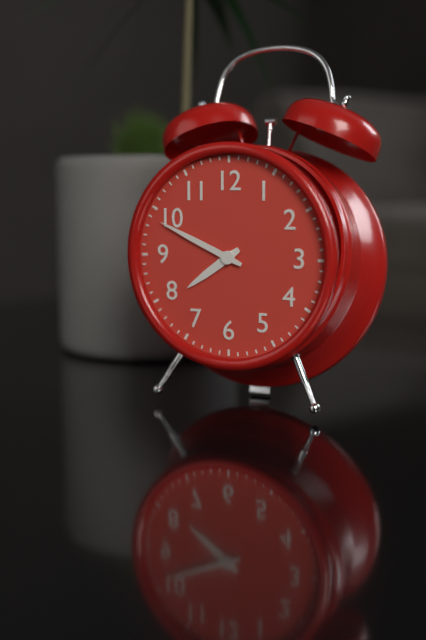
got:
7:49
